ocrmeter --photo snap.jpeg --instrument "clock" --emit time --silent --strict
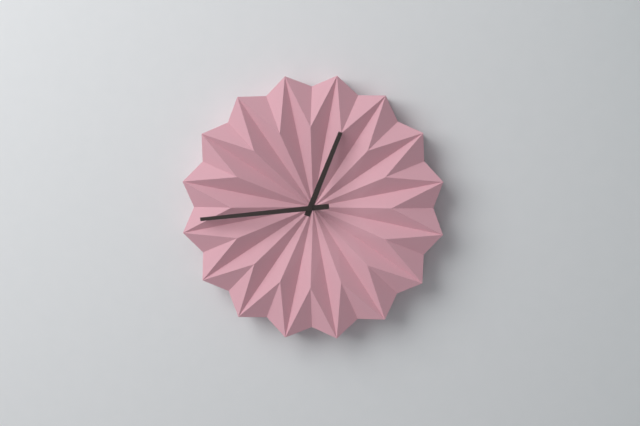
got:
12:44
